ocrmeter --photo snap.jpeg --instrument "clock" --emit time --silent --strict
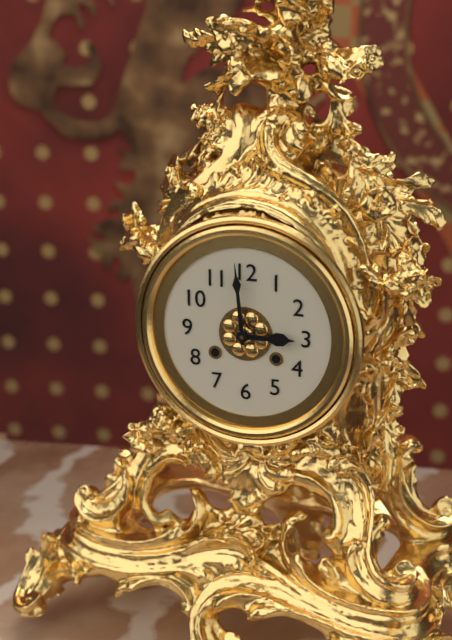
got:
2:59
